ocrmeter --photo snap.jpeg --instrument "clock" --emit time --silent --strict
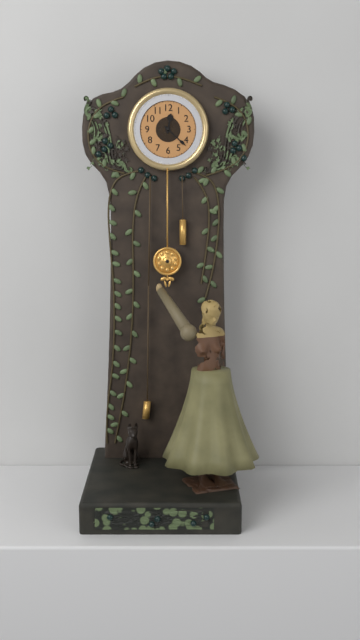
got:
12:22
